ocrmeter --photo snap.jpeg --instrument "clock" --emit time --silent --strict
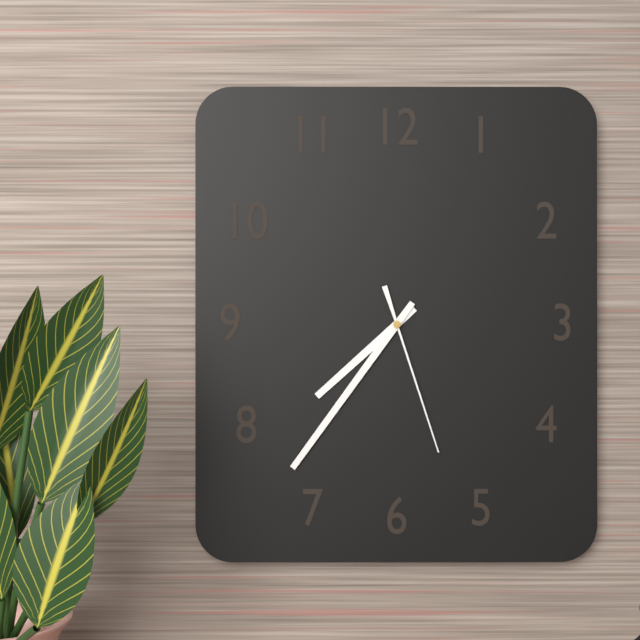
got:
7:36:27
